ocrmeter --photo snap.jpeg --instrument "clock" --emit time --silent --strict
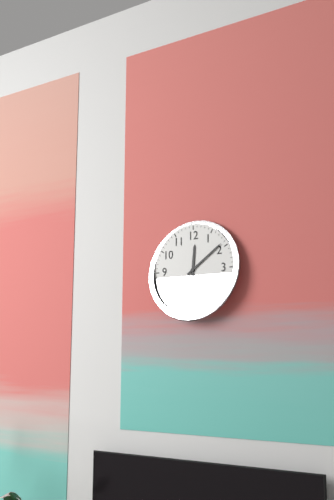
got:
12:09
